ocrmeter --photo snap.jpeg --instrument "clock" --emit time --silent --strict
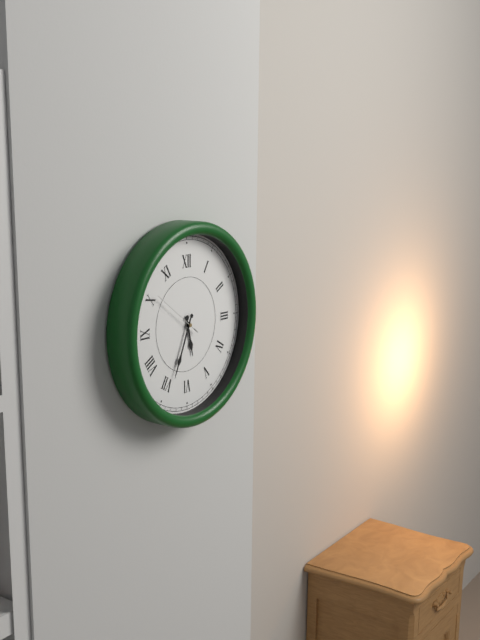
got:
5:34:51
